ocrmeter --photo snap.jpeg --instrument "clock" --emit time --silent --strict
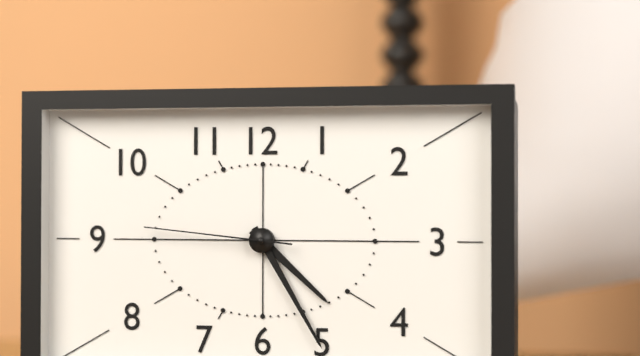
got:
4:25:46
